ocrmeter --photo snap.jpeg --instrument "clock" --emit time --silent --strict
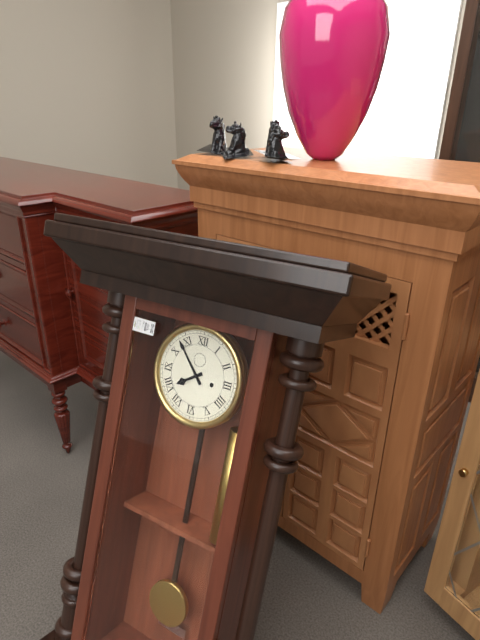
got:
7:53
